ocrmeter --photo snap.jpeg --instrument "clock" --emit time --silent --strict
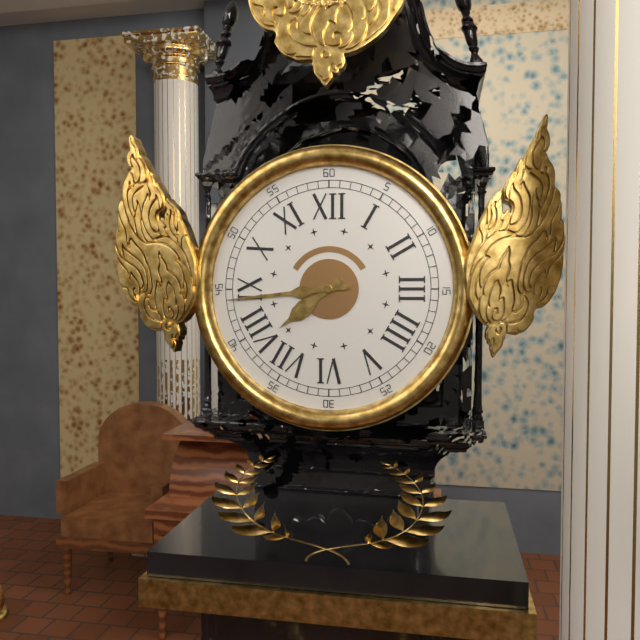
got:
7:44
